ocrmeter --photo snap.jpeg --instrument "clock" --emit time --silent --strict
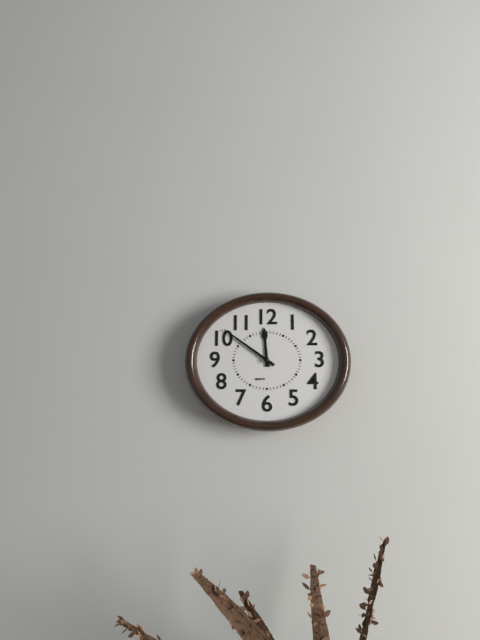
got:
11:51
